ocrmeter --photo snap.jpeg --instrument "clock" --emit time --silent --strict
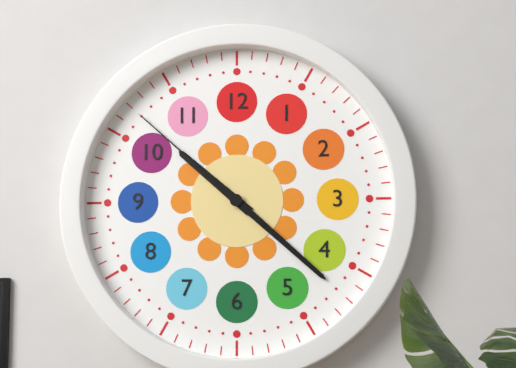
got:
10:22:52
